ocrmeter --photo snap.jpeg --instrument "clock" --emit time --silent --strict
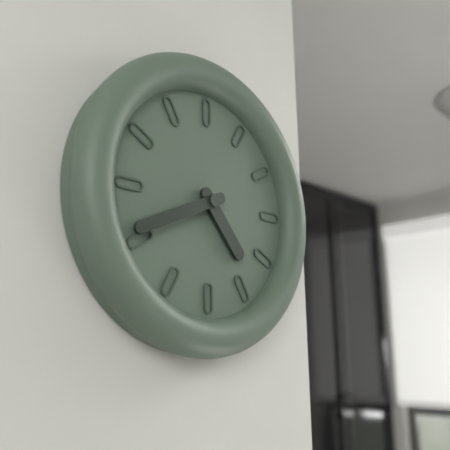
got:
4:41
